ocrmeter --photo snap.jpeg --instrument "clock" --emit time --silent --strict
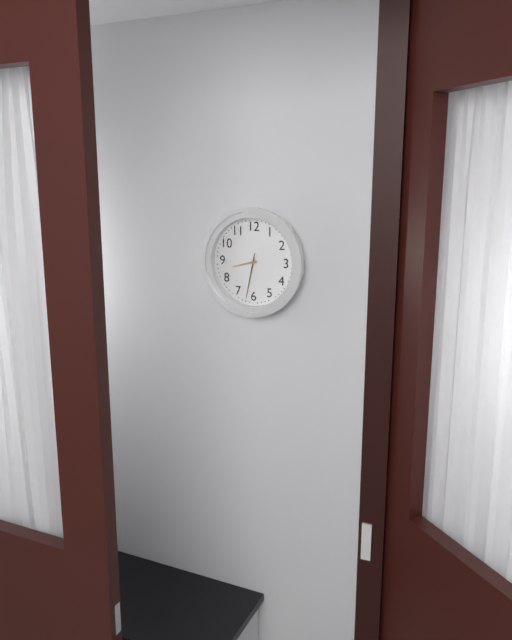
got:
8:32
